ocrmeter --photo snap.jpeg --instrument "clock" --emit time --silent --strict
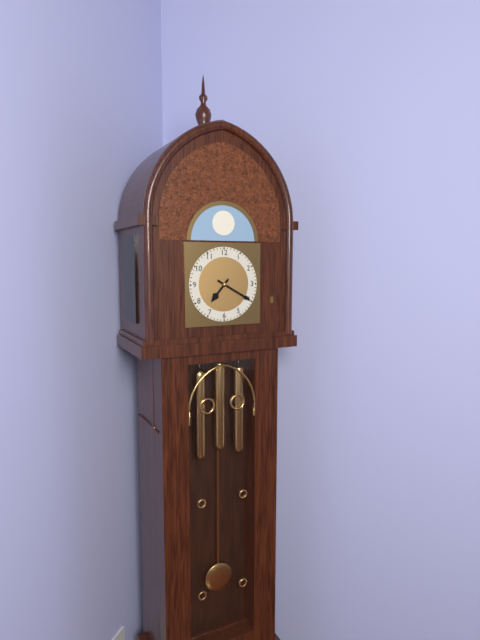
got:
7:20
